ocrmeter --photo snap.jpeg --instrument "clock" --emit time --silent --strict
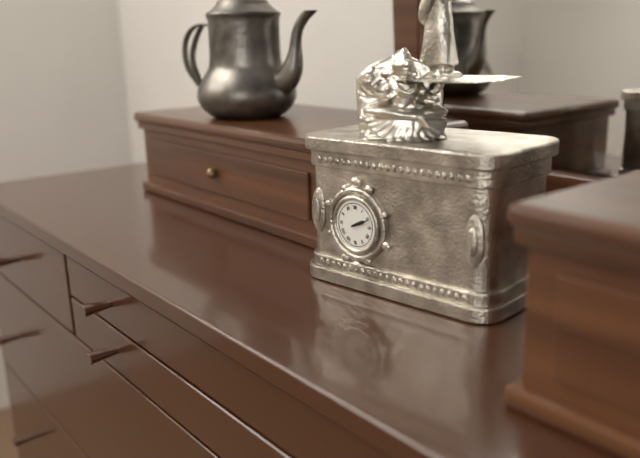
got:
2:11
